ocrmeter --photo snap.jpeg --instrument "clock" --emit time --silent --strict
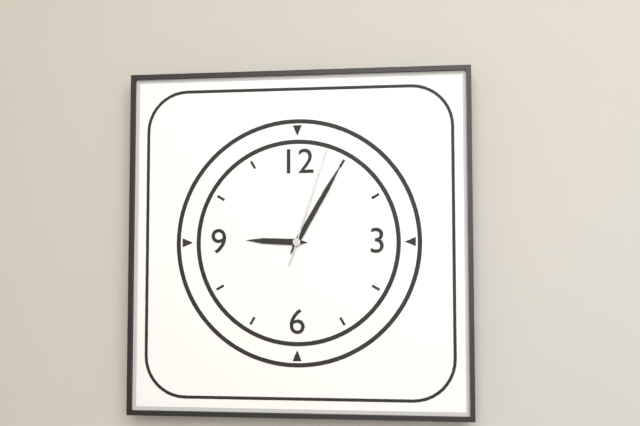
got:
9:05:03
